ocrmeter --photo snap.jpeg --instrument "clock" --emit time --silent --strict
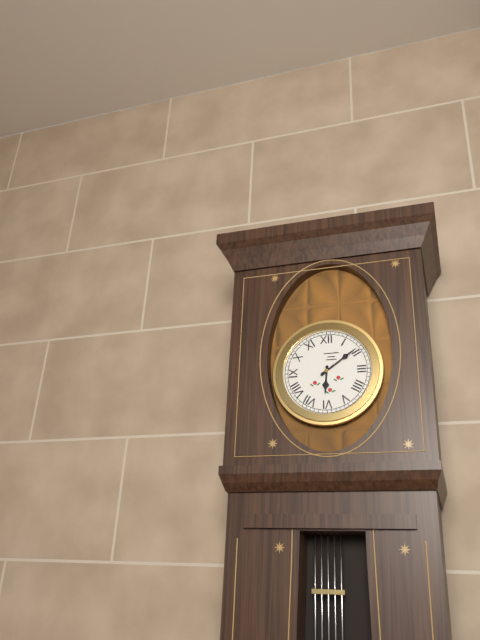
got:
6:09
